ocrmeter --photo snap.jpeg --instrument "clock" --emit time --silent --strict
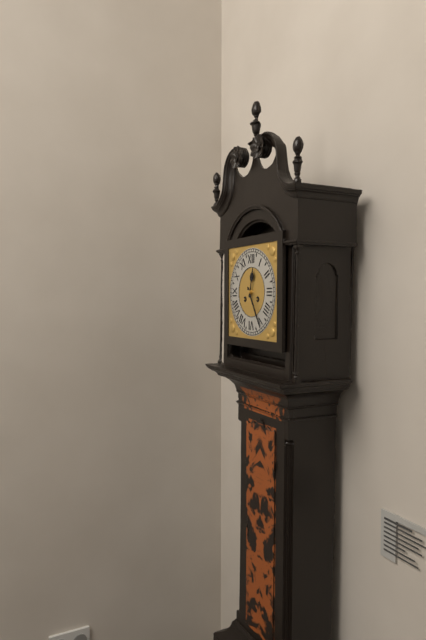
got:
12:25
